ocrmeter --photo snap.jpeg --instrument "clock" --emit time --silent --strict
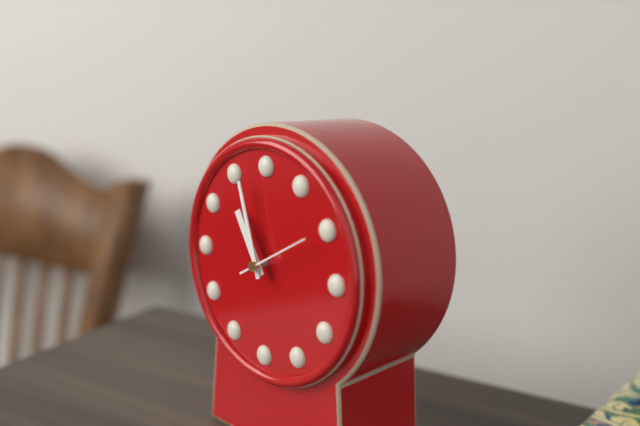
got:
10:57:10
